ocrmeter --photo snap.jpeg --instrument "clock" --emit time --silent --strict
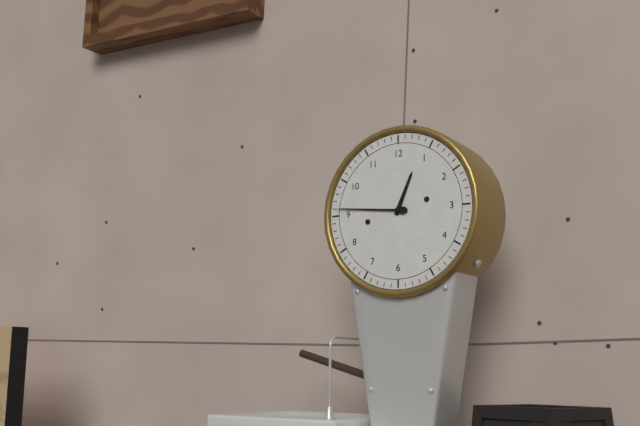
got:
12:46
